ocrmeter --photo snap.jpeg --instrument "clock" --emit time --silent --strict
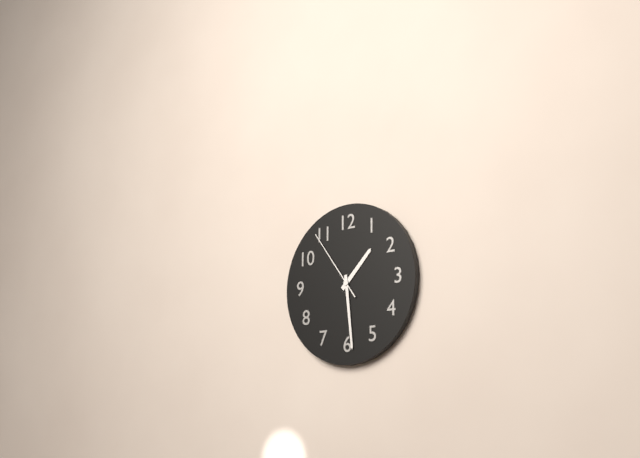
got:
1:29:54
